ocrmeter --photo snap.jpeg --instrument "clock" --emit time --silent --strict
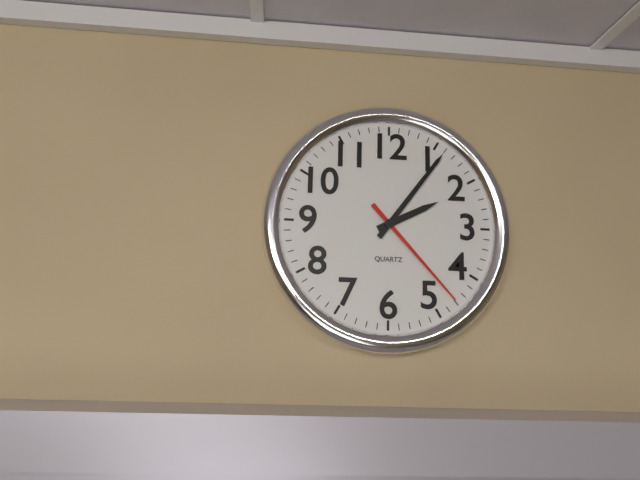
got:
2:06:23
